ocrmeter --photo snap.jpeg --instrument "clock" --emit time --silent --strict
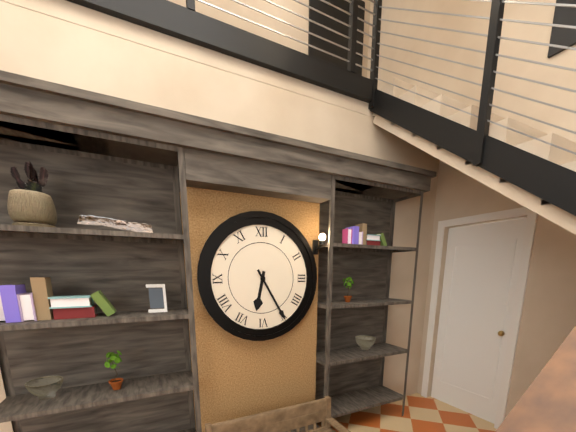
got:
6:25
